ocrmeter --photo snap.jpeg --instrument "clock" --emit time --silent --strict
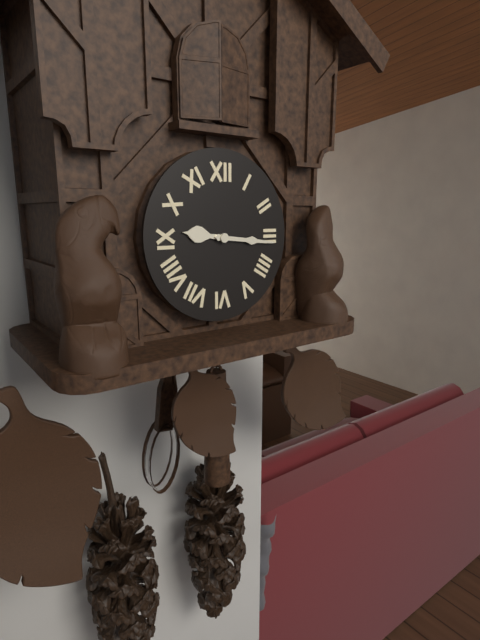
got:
9:16
